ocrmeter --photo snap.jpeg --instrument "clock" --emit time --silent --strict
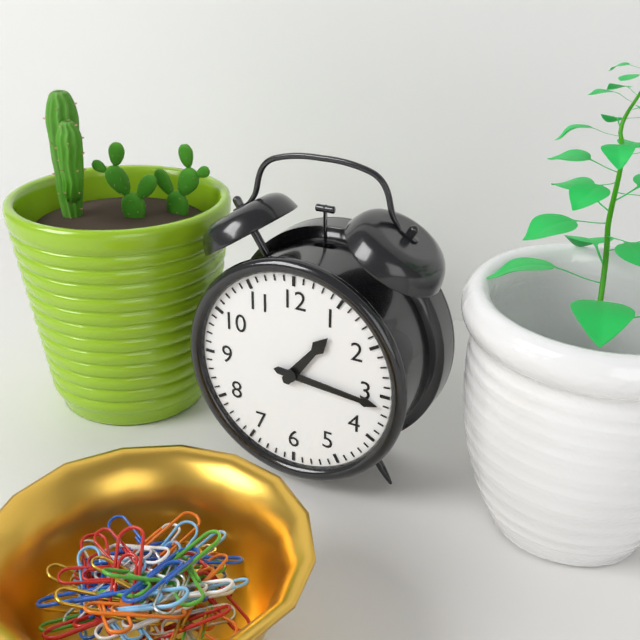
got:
1:16
